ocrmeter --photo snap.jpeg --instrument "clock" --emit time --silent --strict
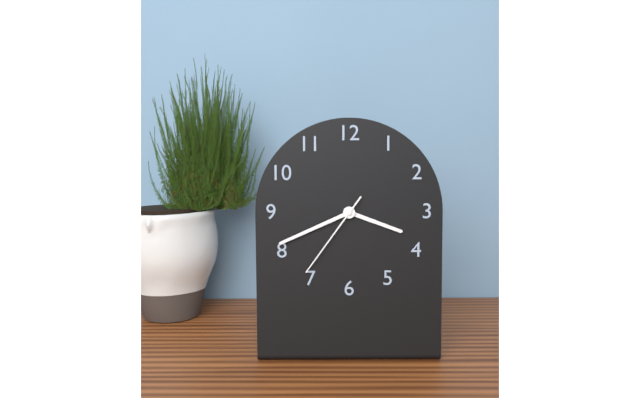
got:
3:41:36
